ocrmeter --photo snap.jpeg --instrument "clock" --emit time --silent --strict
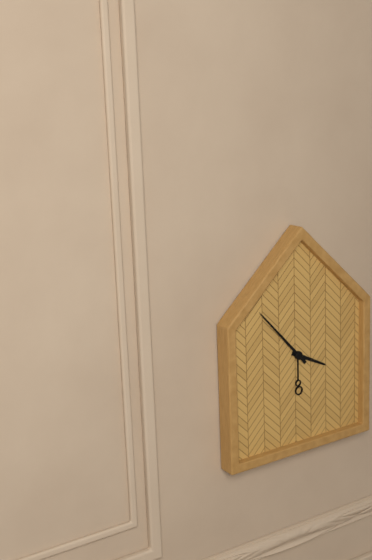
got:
3:53
